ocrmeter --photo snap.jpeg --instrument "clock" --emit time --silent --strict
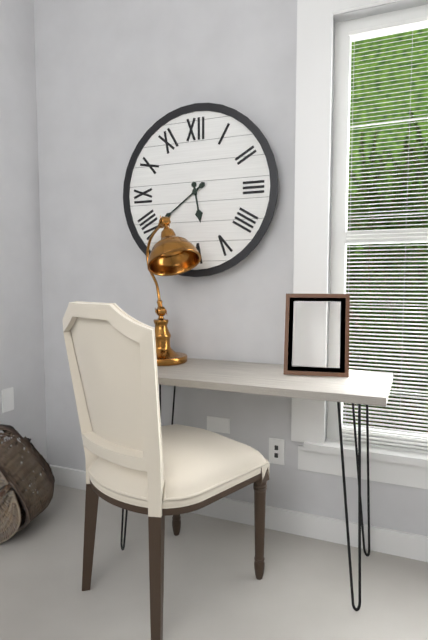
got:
5:39
